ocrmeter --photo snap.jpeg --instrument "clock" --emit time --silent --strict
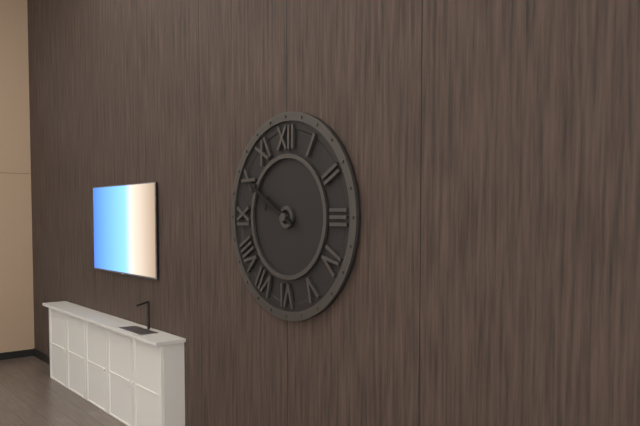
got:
9:50
